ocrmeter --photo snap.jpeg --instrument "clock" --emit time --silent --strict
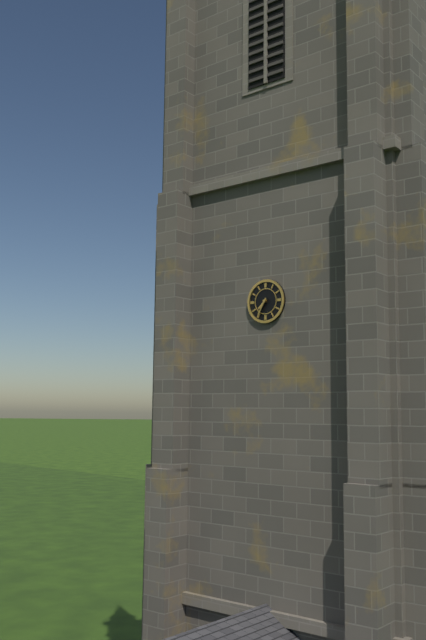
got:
7:35
